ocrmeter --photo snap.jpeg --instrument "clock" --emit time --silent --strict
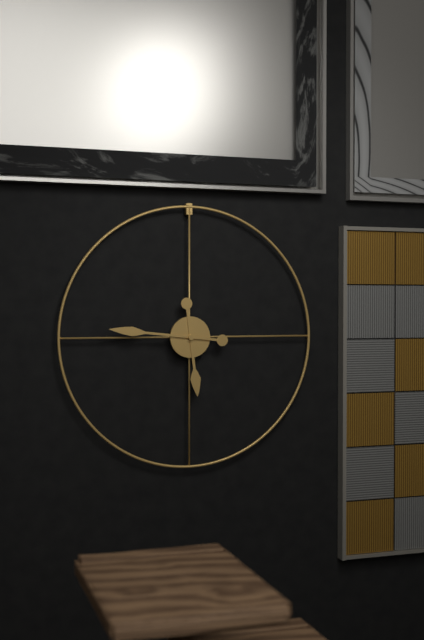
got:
5:46
